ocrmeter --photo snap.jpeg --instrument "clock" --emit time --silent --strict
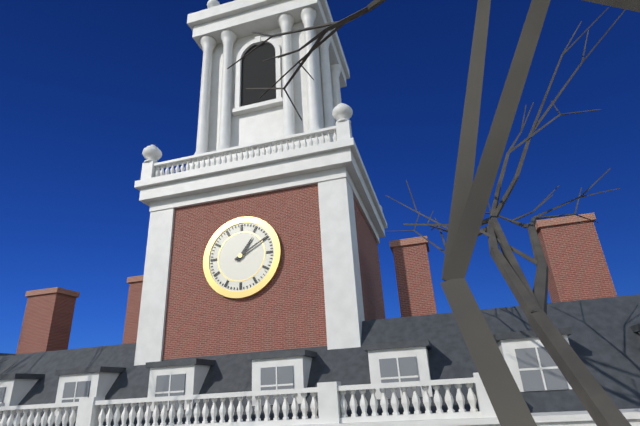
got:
1:10
